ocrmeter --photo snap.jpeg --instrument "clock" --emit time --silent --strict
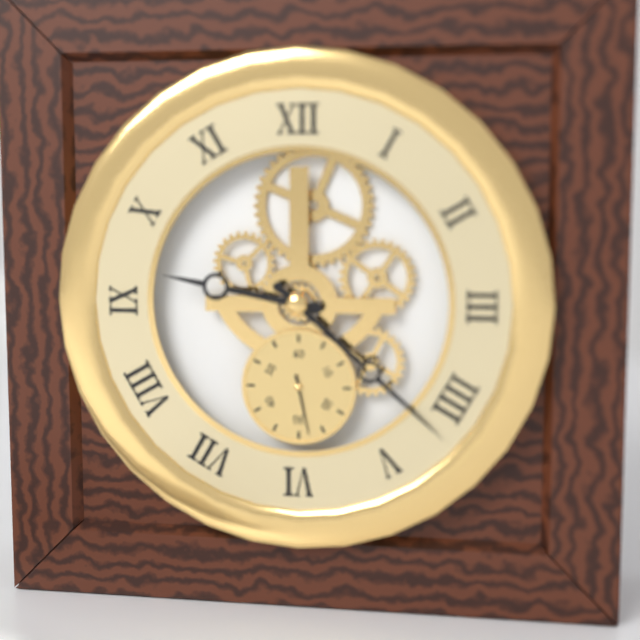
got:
9:22:28
